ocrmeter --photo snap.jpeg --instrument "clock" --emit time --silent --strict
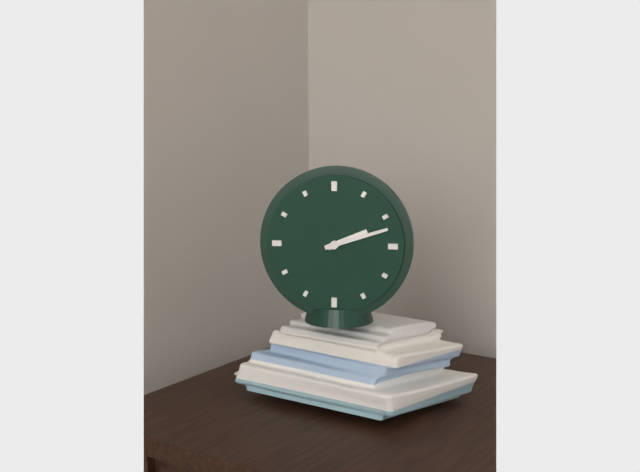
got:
2:12
